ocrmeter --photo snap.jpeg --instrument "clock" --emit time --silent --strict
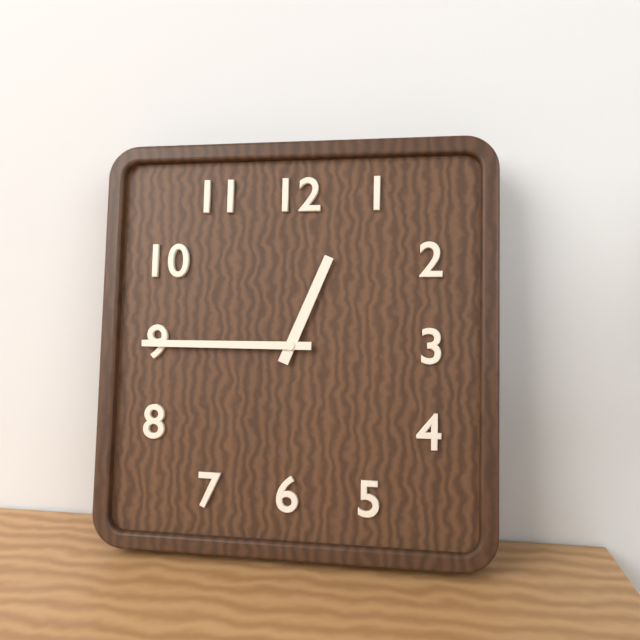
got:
12:45
